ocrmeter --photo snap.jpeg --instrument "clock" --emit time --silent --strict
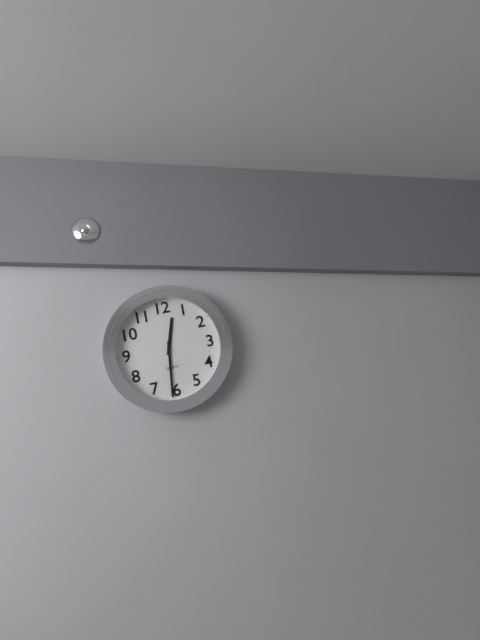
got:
12:31
